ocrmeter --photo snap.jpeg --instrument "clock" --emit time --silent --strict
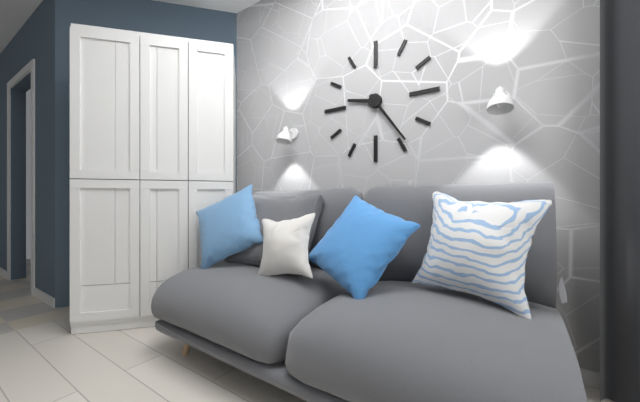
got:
9:24
